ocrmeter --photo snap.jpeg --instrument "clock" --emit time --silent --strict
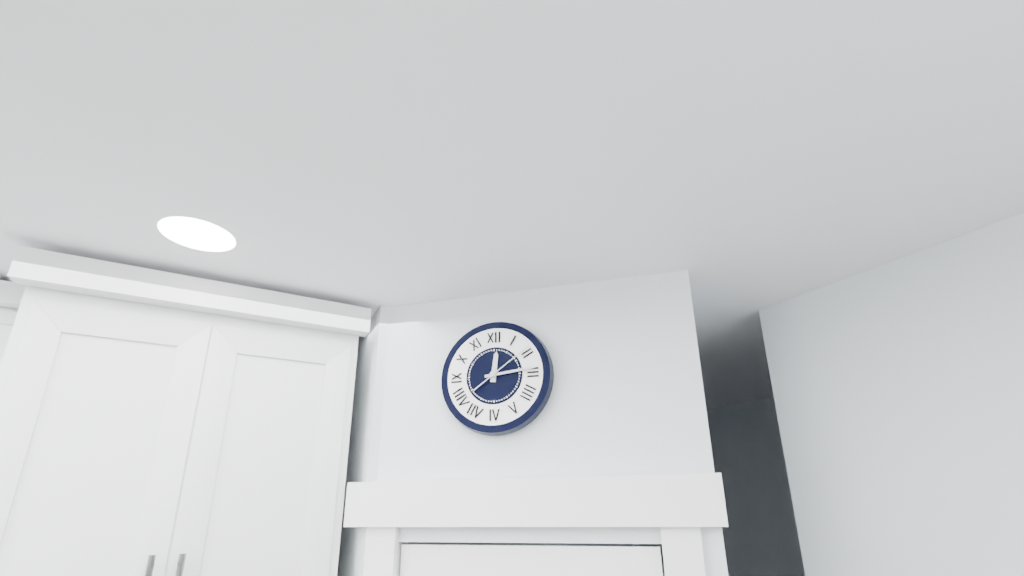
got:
12:14:09
